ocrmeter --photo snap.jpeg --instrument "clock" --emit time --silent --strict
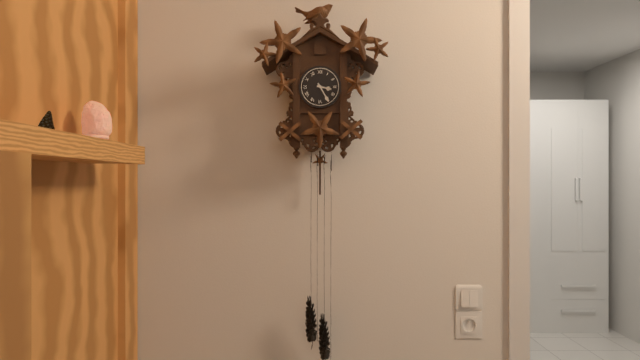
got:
3:25
